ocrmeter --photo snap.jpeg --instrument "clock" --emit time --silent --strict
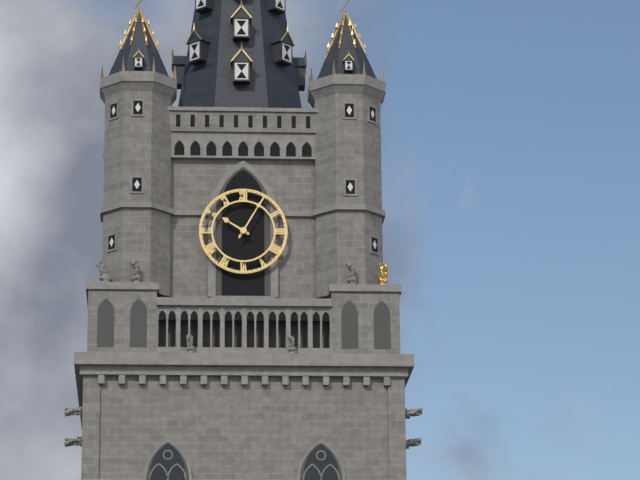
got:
10:05
